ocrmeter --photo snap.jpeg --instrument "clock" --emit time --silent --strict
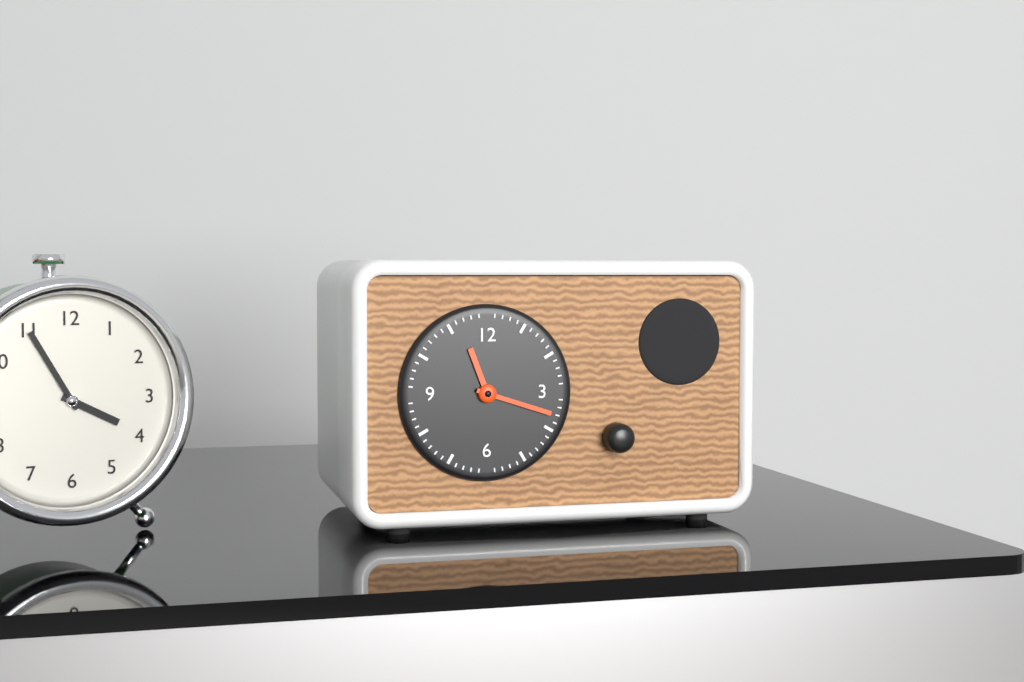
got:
11:18
